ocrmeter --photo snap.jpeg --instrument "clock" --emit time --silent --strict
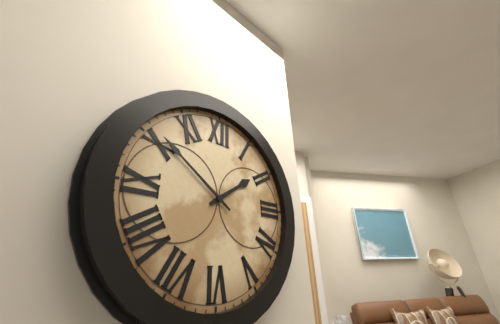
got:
1:51
